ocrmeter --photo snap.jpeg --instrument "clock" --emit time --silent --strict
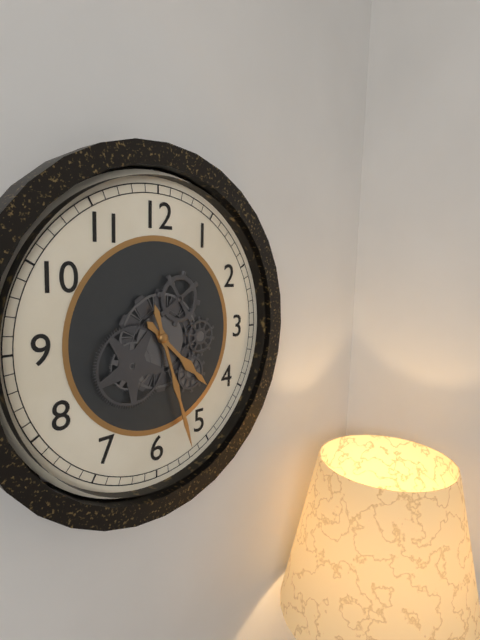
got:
4:27
